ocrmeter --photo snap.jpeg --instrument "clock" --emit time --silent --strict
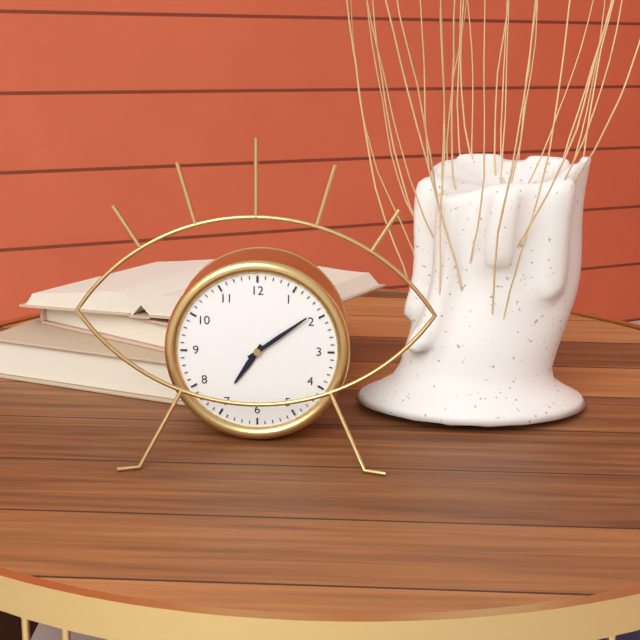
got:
7:09
